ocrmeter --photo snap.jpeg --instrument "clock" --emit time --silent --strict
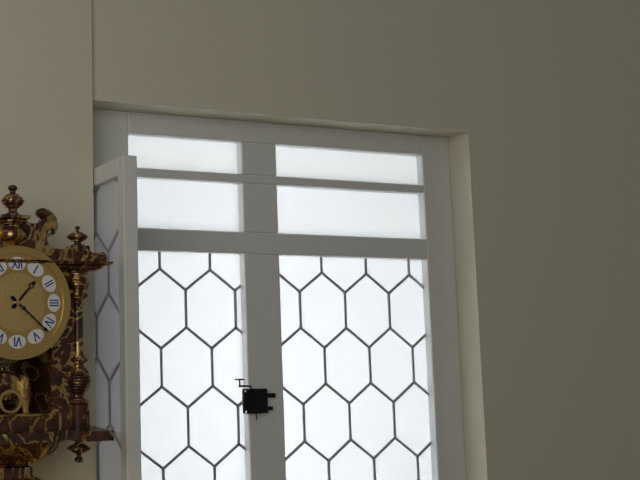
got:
1:22
